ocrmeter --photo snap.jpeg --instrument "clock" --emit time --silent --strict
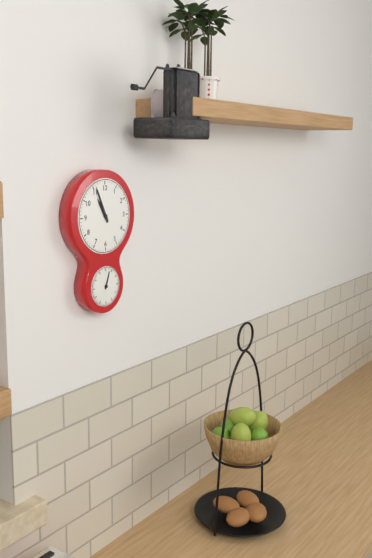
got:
10:56
